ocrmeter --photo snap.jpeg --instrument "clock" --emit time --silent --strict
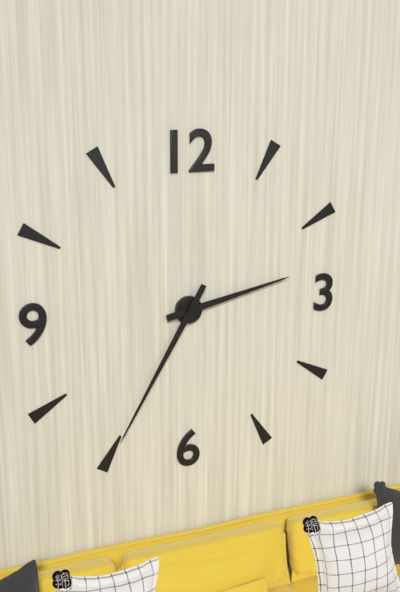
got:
2:35
